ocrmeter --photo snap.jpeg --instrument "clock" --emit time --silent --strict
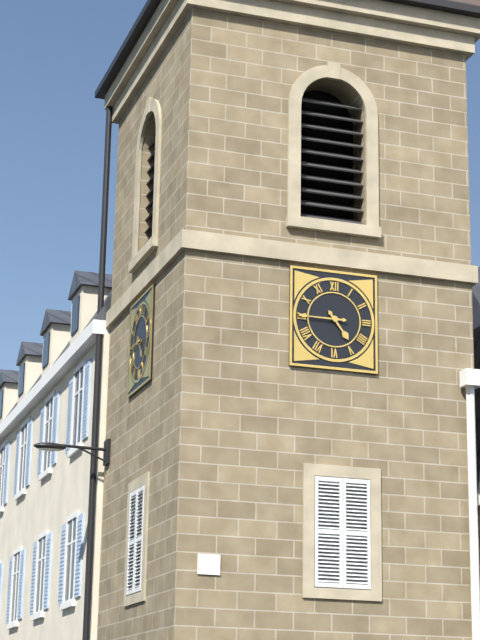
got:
4:45
